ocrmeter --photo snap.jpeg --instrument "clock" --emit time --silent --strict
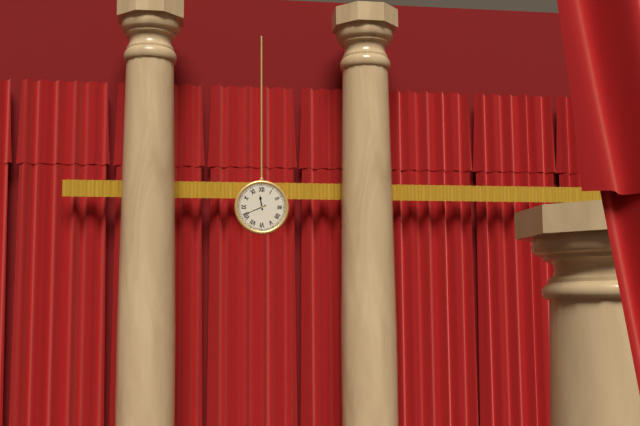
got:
11:41
